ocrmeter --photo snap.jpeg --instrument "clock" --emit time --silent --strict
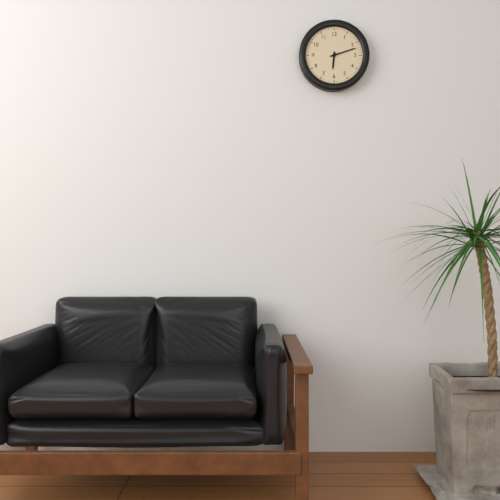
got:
6:12
